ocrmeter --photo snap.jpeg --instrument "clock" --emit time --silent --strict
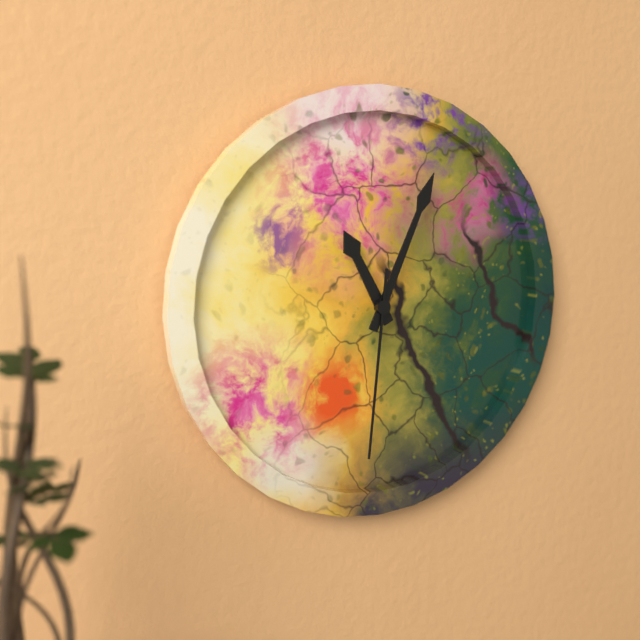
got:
11:04:31
